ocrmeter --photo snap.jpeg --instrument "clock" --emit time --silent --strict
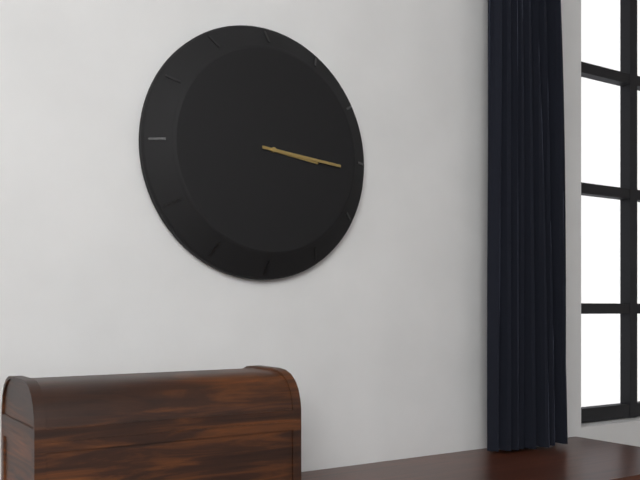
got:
3:16
